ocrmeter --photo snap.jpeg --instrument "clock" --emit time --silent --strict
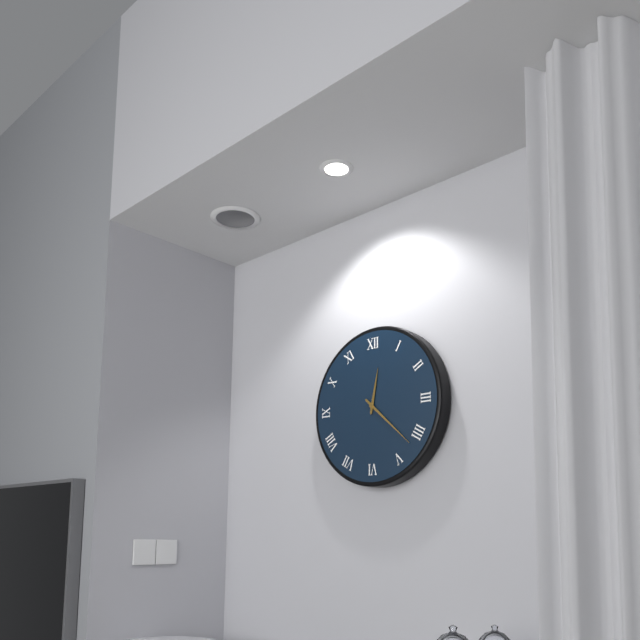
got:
12:22
